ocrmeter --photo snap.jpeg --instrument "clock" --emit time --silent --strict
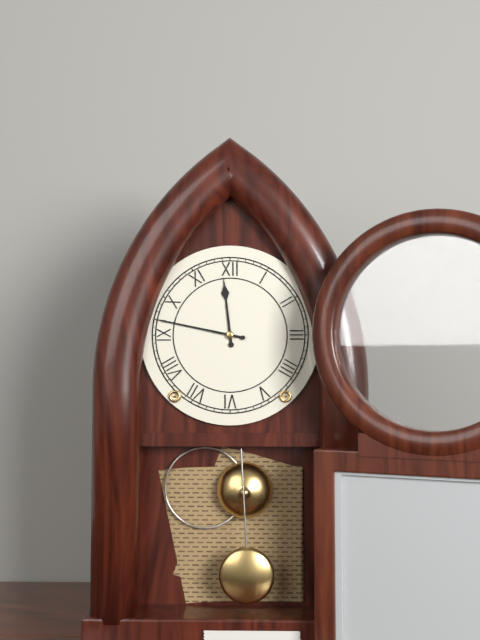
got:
11:47
